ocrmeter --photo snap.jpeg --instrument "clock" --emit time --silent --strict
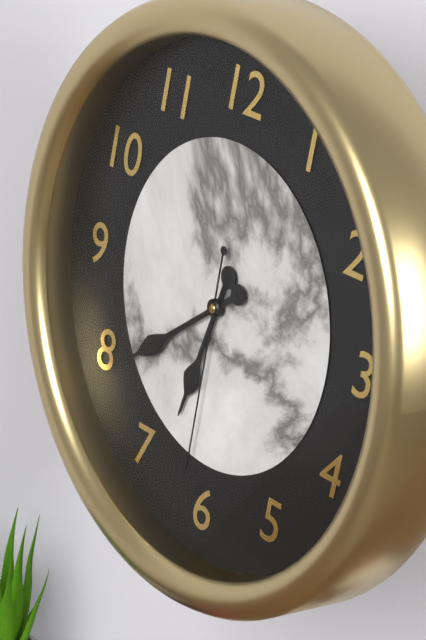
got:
6:39:31
